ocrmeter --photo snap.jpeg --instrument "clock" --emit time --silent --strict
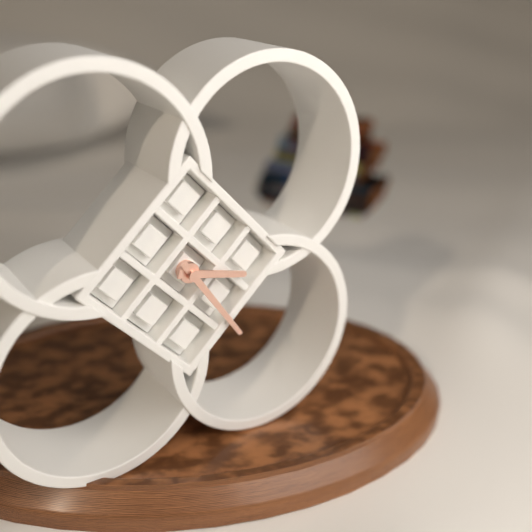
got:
3:24
